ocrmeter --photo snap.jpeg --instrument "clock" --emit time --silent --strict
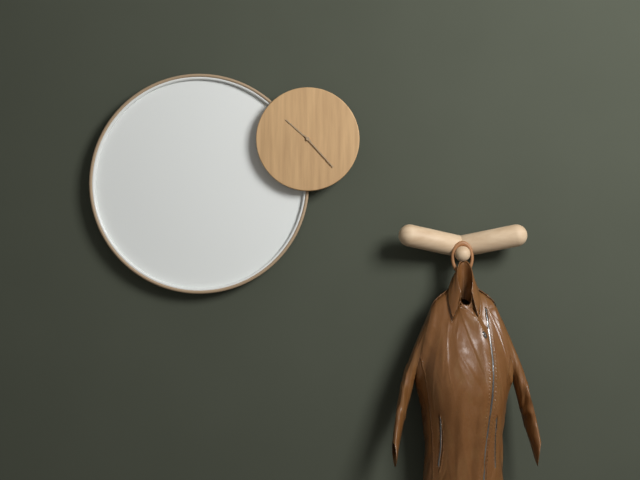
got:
10:23
